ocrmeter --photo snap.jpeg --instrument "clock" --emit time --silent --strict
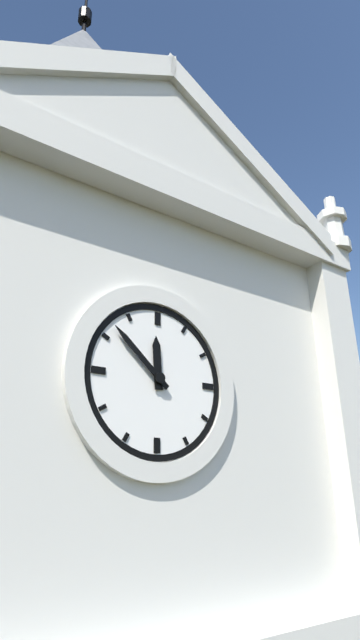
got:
11:52
